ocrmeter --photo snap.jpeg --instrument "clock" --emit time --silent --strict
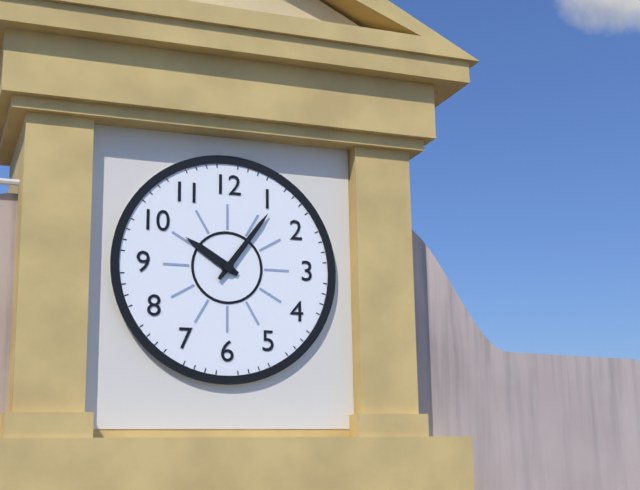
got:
10:06
